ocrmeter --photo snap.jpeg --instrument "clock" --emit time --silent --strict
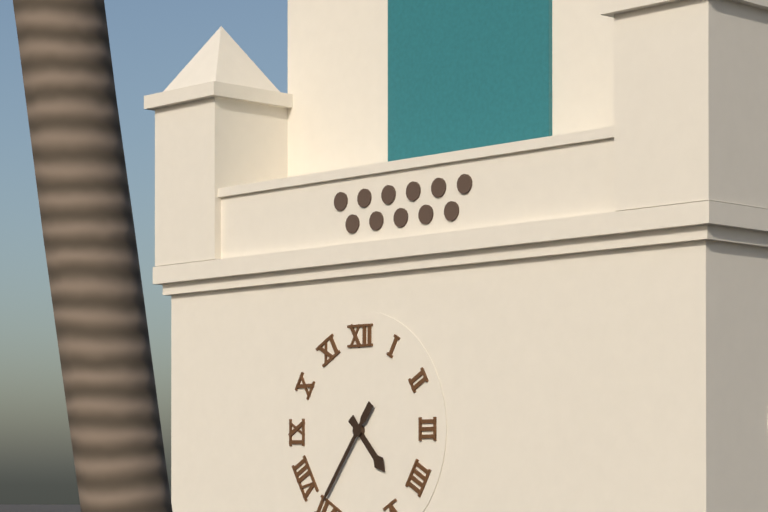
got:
4:36
